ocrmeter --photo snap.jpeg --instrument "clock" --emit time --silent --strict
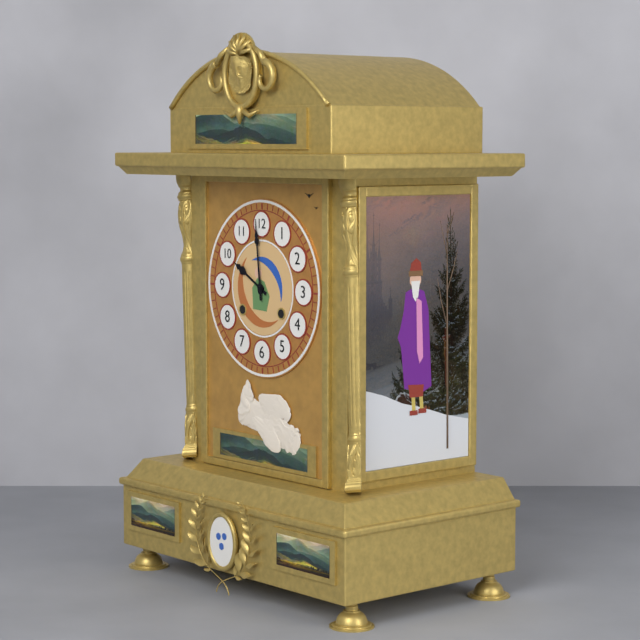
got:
9:59
